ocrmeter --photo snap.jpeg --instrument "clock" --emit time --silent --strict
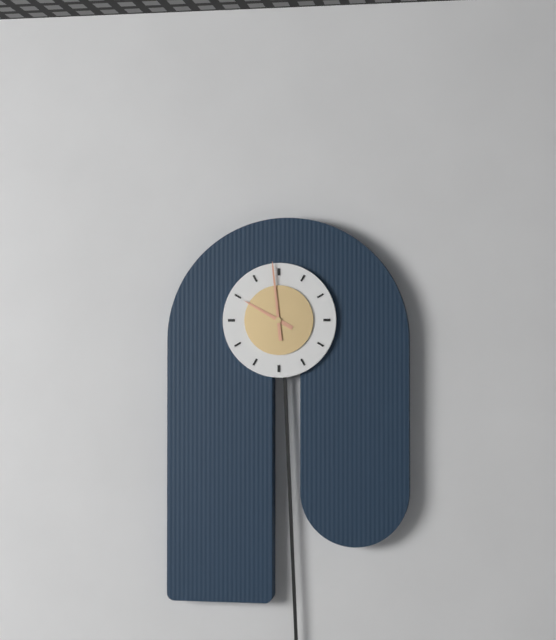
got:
9:59
